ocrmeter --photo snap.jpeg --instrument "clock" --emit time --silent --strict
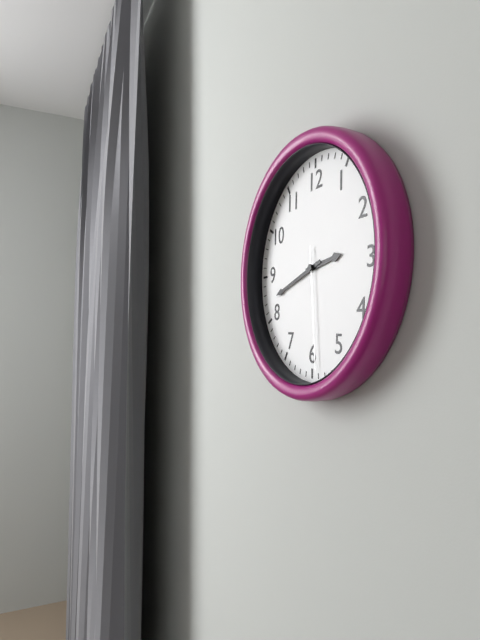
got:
2:42:29
